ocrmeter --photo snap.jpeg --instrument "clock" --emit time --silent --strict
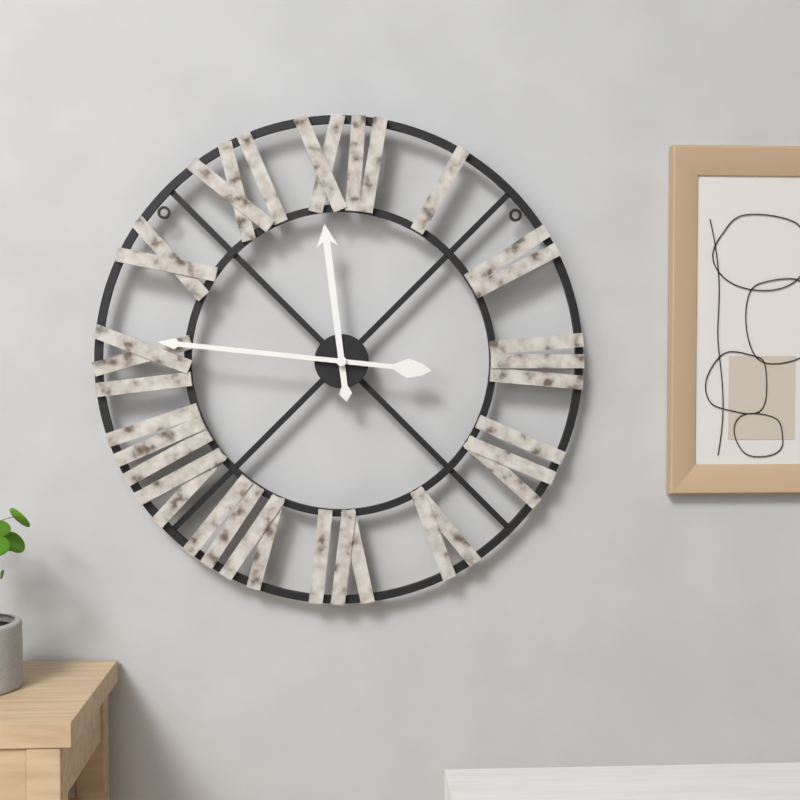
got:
11:46
